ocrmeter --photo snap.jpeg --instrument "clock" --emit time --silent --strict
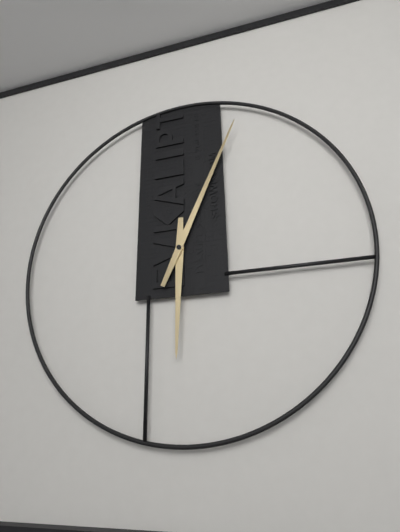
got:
6:04
